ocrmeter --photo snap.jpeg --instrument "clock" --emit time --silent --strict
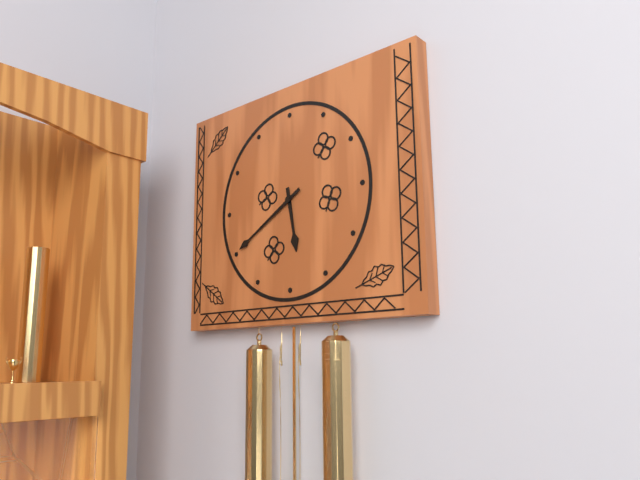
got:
5:40
